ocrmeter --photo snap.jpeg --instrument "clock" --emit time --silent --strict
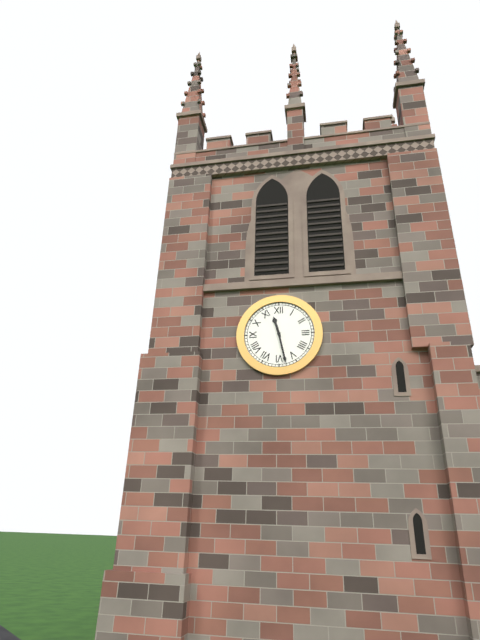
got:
11:28
